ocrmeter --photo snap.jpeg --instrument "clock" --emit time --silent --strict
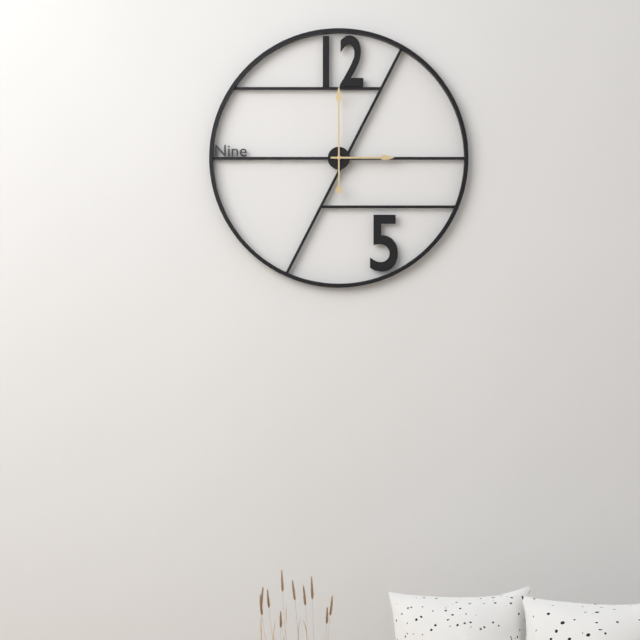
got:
3:00
